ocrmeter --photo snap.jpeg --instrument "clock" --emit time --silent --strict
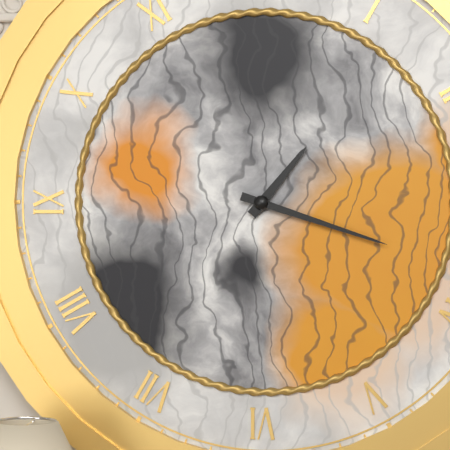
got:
1:18
